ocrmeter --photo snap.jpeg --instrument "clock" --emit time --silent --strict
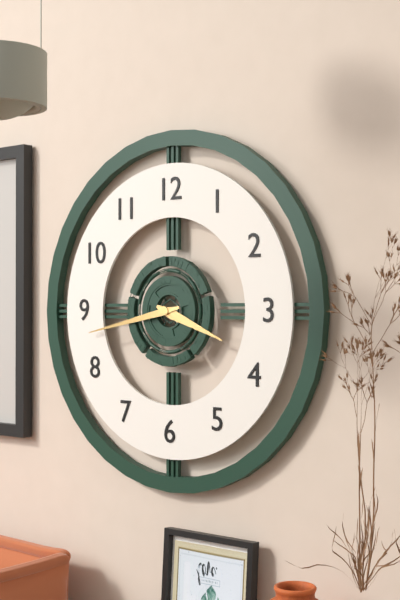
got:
3:43
